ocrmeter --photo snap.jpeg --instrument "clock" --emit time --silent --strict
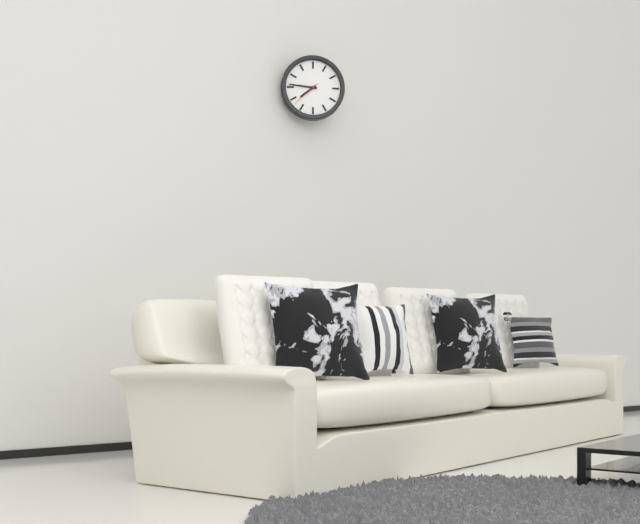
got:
7:46
